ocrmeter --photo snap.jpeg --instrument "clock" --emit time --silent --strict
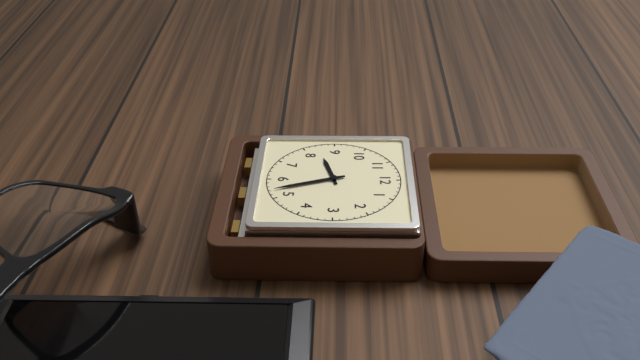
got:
8:27
